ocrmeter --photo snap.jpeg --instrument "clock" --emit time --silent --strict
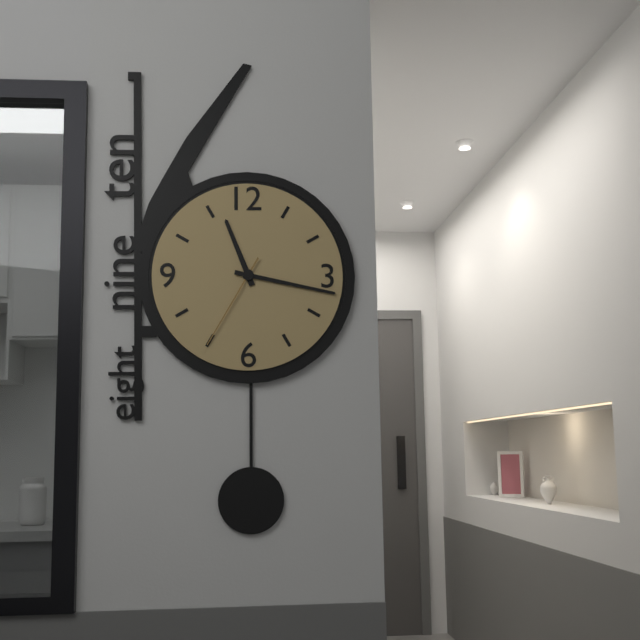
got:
11:17:35
